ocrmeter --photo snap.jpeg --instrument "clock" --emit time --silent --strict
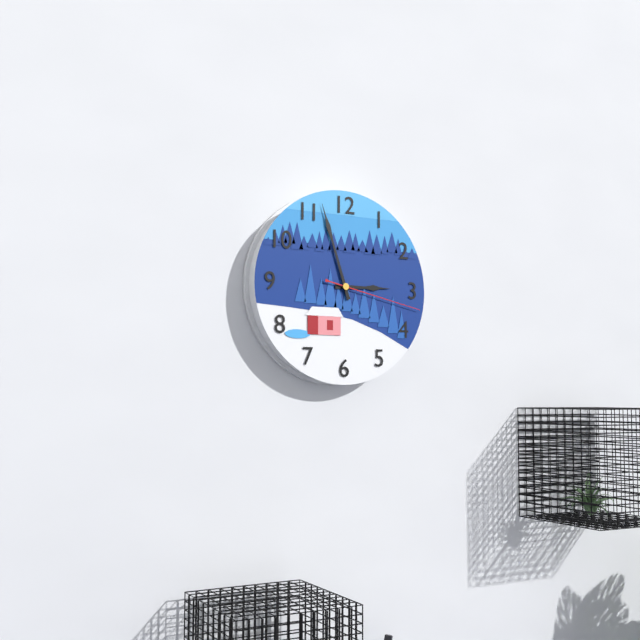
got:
2:57:17
